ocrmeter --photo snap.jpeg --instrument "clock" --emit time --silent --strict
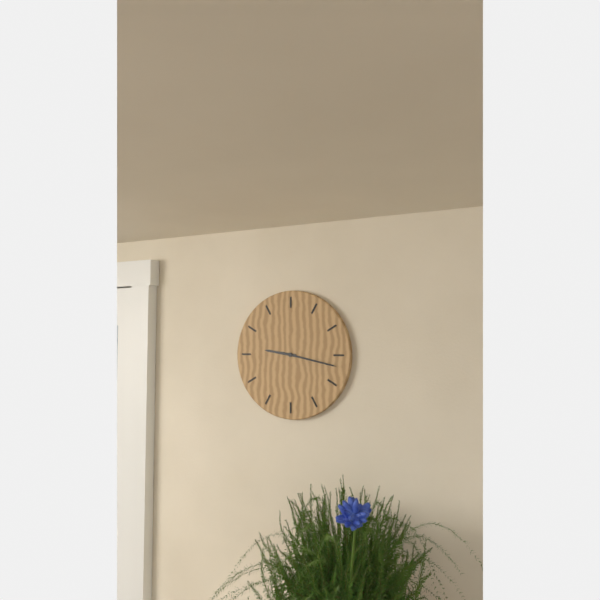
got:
9:17
